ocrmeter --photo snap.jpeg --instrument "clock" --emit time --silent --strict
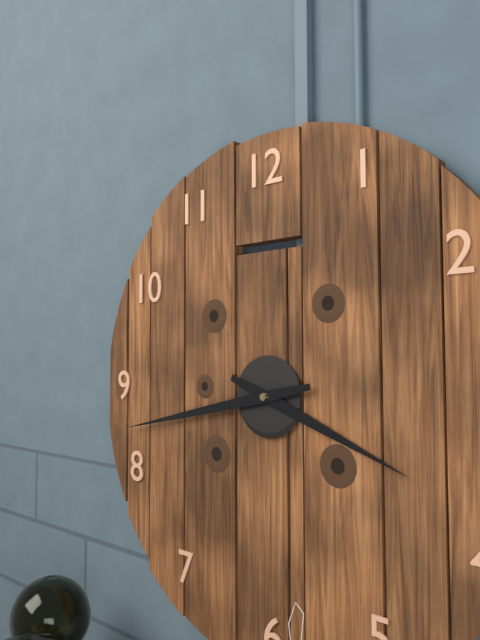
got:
3:43
